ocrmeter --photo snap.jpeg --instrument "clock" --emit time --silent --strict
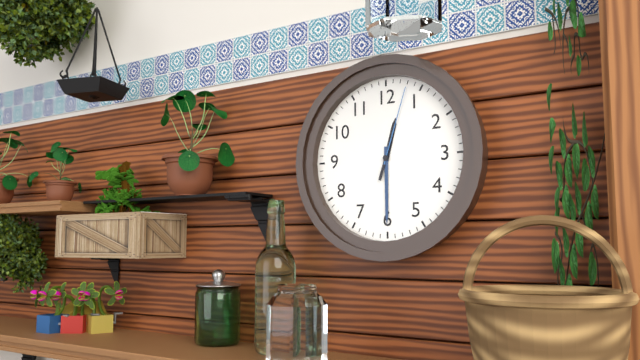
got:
12:30:03
